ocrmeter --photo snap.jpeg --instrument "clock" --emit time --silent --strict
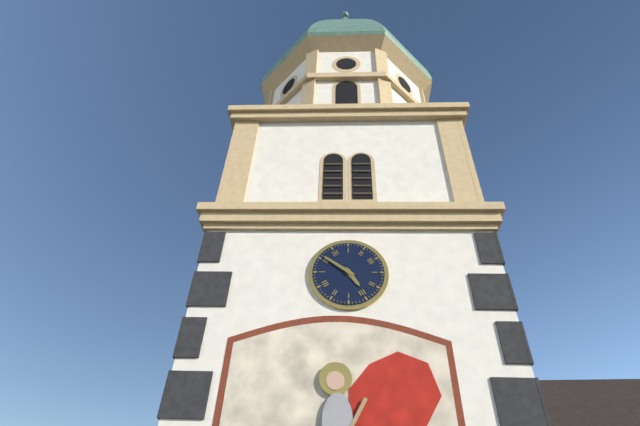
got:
4:51
